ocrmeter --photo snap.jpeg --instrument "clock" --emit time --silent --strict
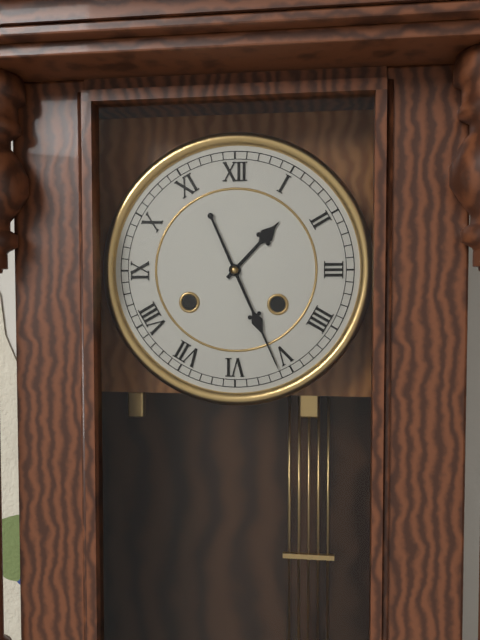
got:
1:26
